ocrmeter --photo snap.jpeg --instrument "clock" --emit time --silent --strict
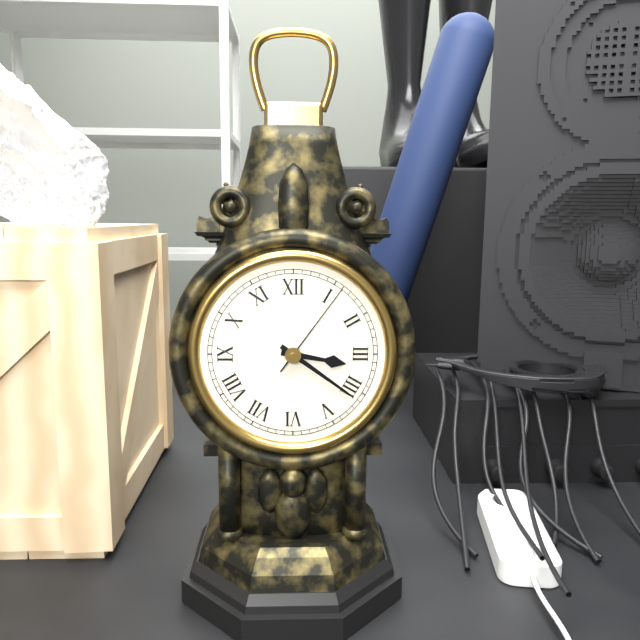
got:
3:21:06
